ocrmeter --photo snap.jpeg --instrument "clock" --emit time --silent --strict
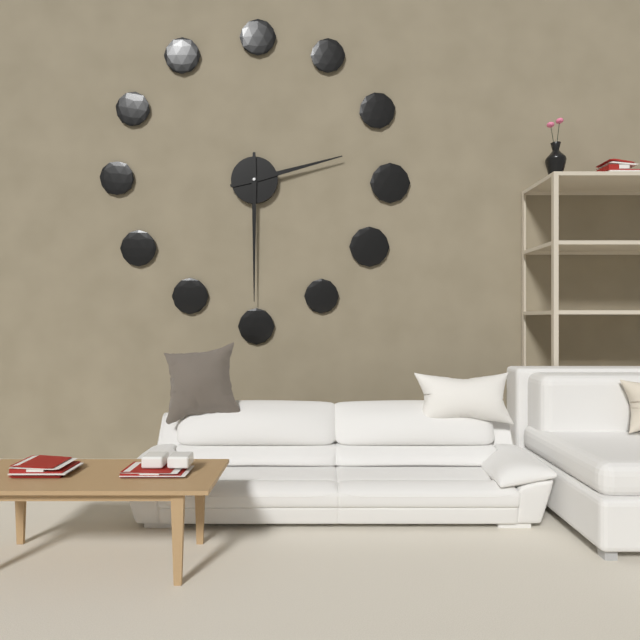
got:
2:30
